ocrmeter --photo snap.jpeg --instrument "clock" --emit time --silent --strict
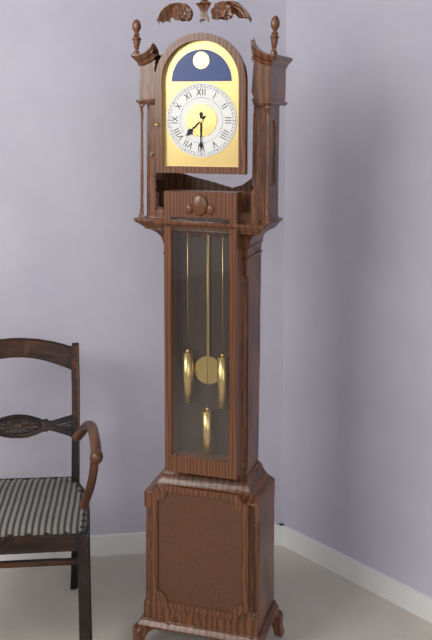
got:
7:30
